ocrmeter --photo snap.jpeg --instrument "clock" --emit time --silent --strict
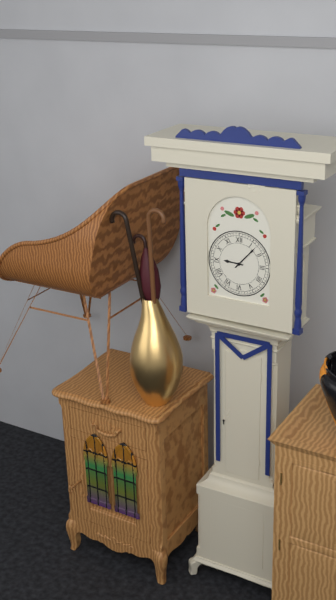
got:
9:07
